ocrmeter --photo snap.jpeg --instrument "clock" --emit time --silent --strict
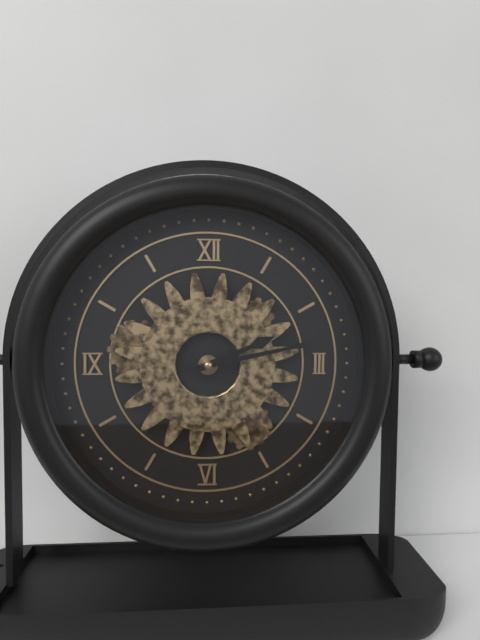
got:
2:13
